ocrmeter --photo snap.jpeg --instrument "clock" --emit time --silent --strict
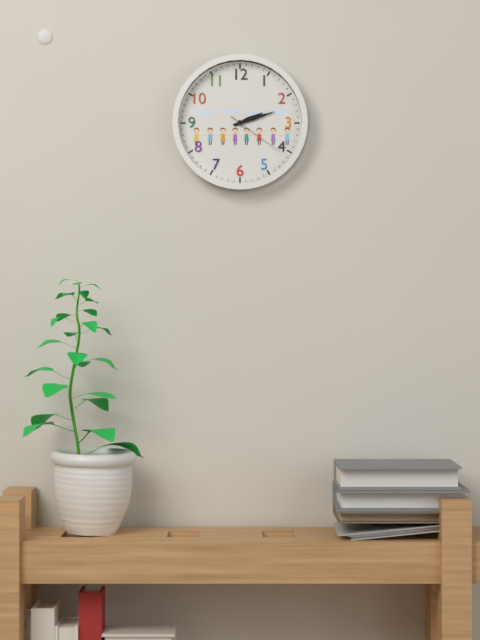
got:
2:12:21
